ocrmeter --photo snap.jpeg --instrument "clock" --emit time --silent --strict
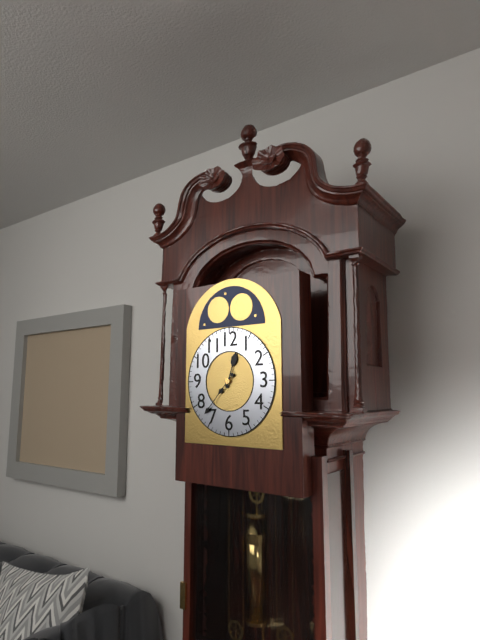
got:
12:37
